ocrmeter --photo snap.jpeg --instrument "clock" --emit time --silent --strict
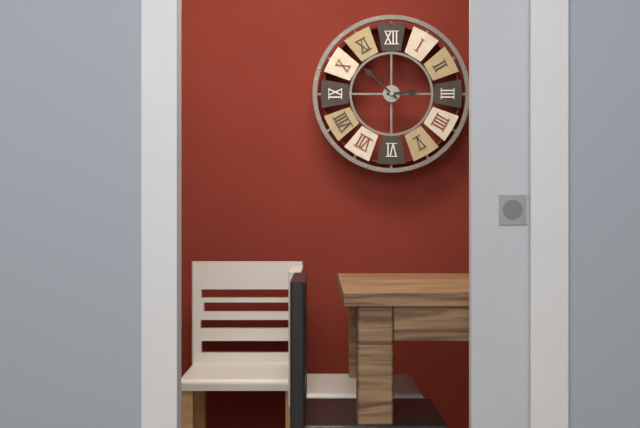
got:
2:52
